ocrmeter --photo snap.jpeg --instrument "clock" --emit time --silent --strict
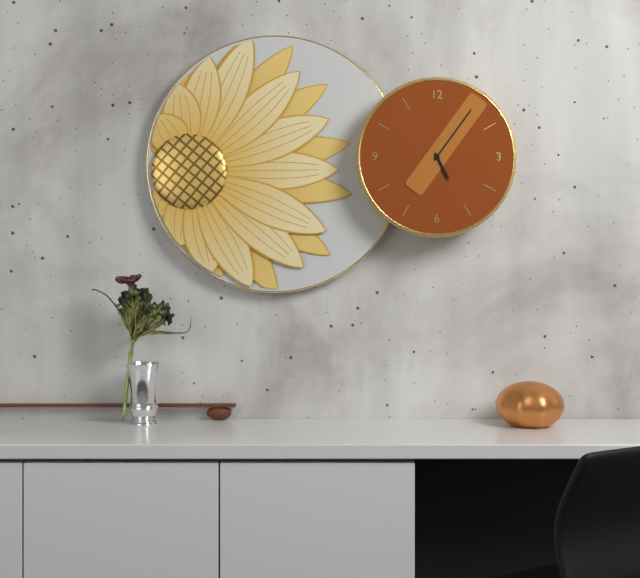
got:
5:06
